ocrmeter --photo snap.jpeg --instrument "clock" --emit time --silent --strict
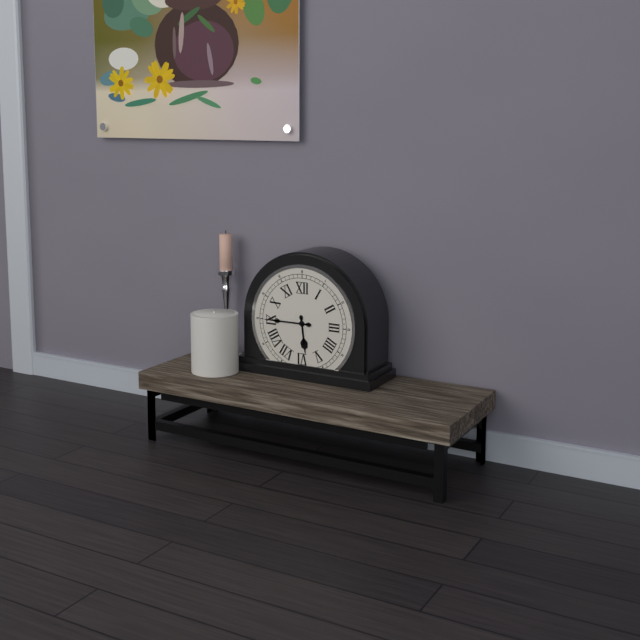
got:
5:45
